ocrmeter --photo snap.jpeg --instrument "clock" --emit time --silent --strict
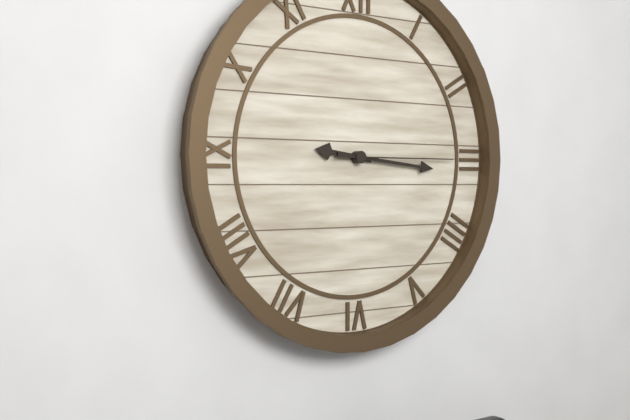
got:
9:16:15
